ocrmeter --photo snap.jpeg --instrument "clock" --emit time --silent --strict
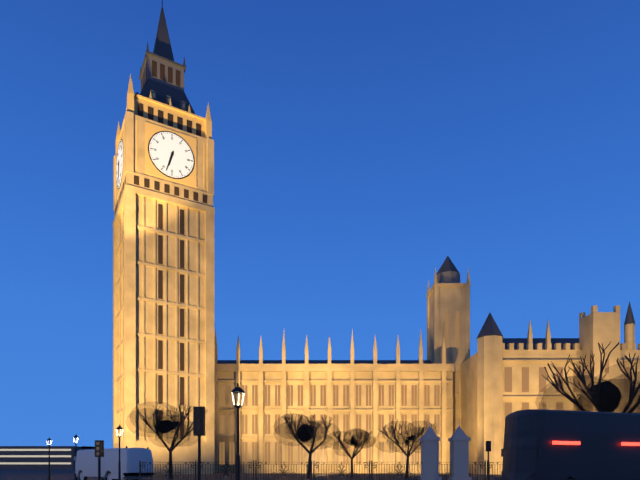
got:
6:33
